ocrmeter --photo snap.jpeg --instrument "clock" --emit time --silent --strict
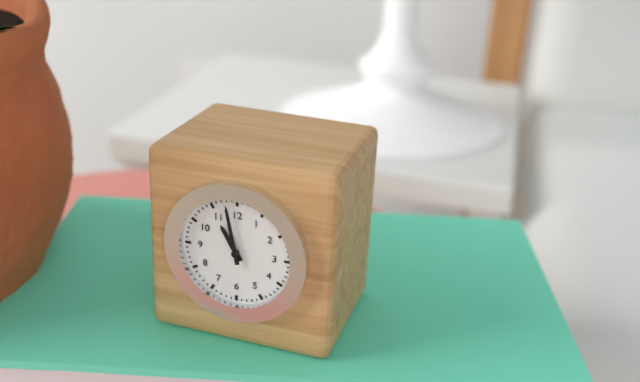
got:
10:58
